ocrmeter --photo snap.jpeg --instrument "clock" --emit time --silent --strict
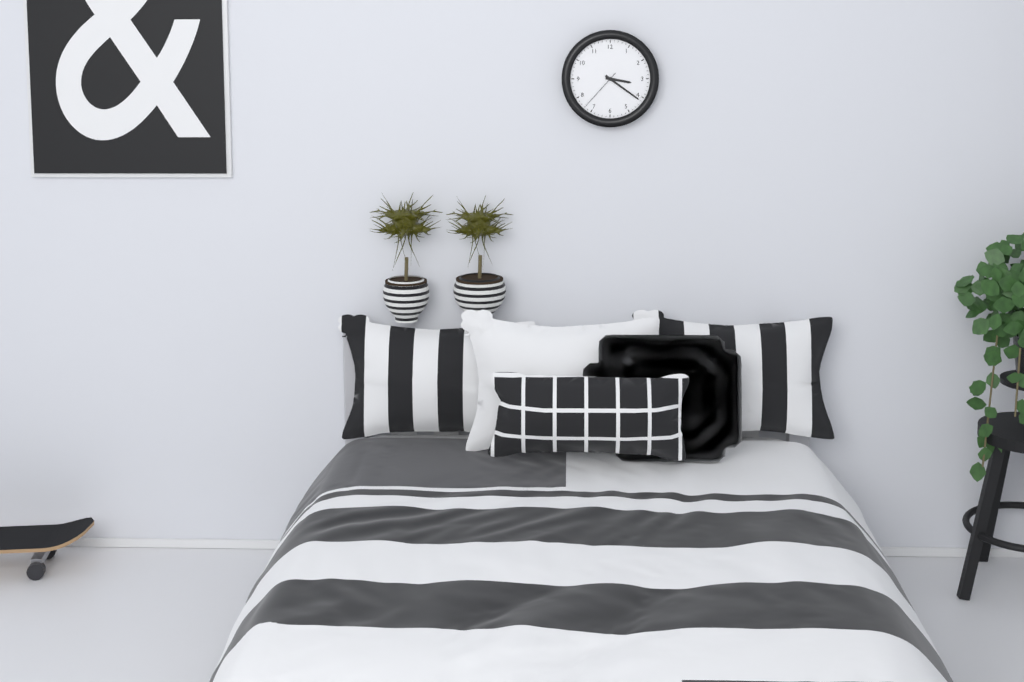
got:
3:21
